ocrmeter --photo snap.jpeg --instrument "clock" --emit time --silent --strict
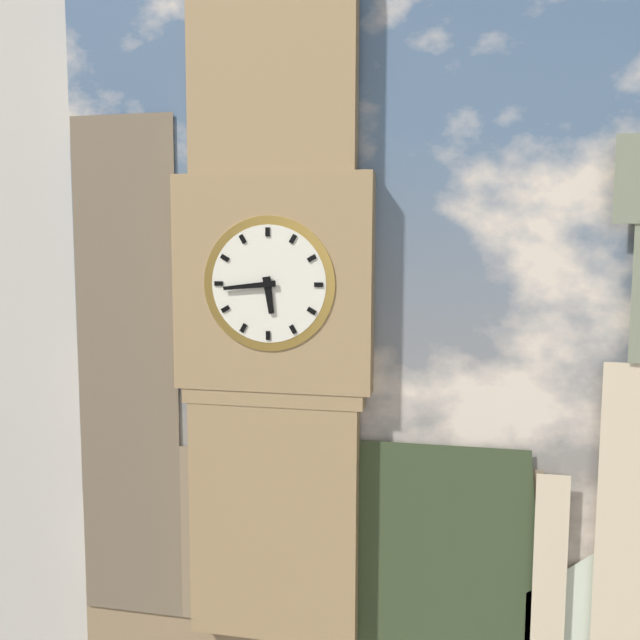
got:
5:44
